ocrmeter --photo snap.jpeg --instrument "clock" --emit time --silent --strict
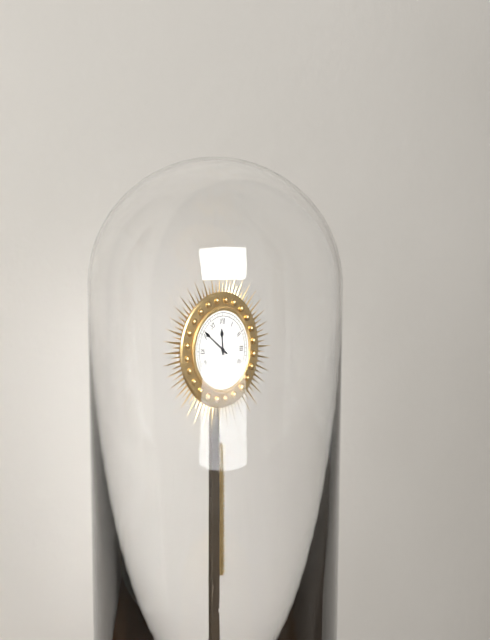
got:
11:51
